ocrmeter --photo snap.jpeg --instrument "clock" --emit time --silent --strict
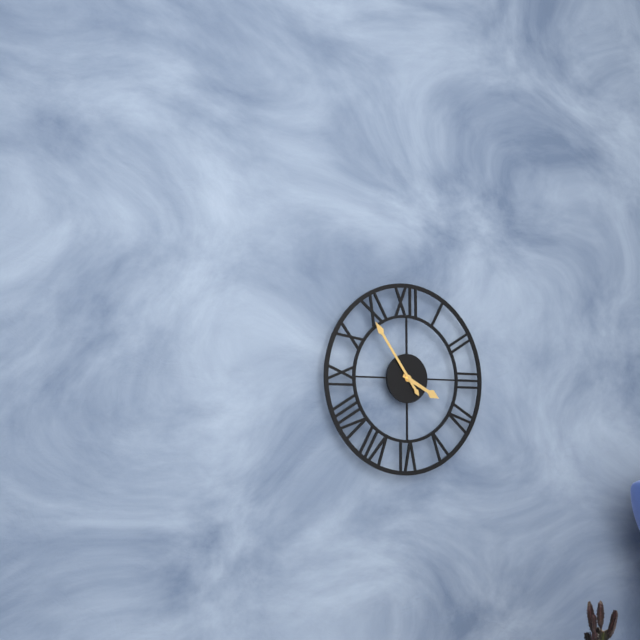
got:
3:54
